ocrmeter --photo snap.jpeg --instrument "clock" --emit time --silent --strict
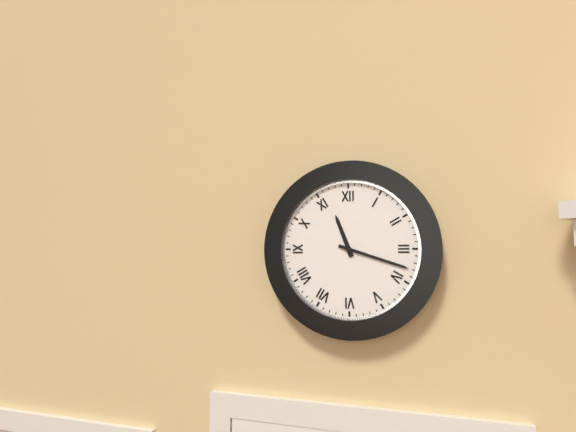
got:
11:18
